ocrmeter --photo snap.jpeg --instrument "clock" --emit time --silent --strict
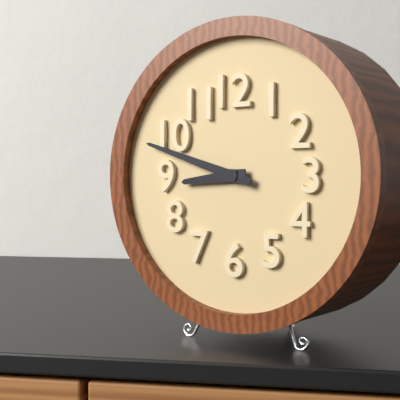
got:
8:48
